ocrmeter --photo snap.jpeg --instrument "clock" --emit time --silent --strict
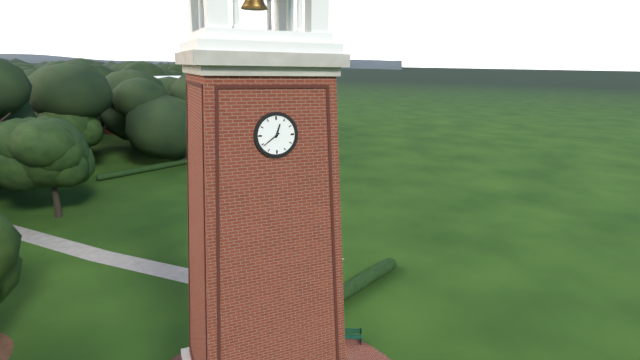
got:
12:39
